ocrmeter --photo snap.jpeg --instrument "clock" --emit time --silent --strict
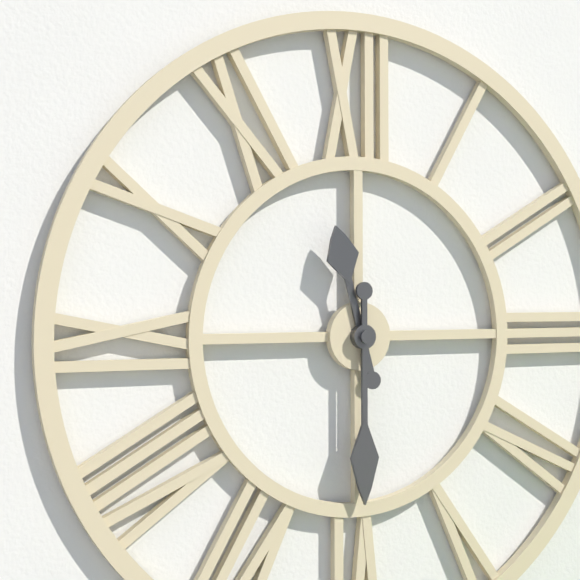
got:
11:30
